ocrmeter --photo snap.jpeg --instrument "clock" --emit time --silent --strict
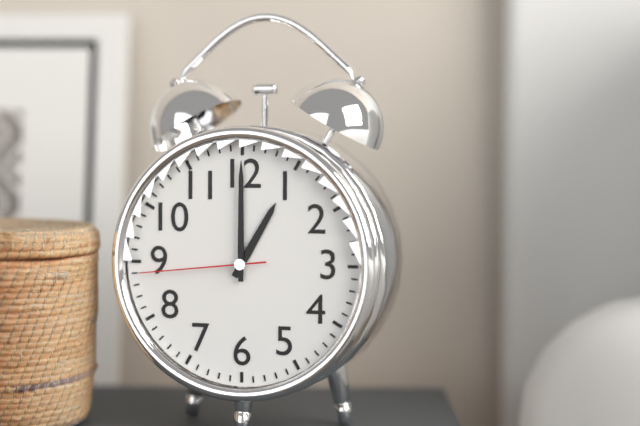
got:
1:00:44
